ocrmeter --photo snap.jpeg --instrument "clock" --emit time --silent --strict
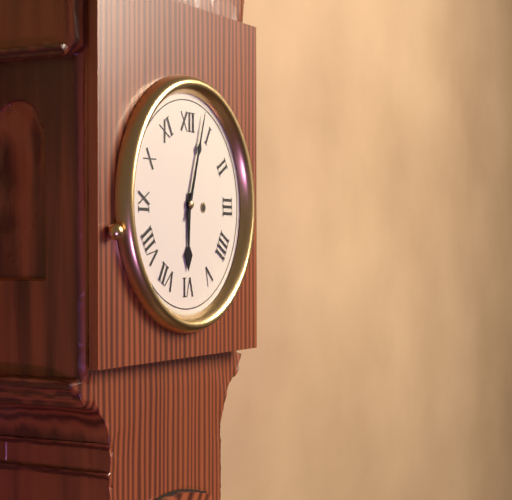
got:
6:03
